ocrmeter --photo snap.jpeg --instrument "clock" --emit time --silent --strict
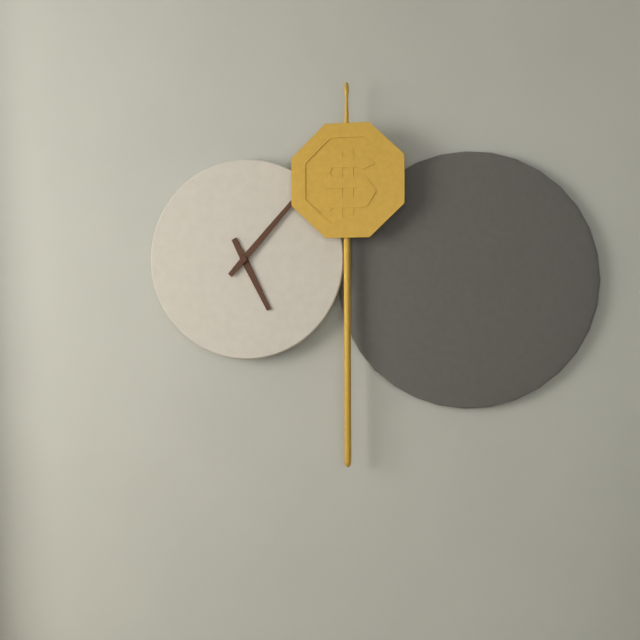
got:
5:07
